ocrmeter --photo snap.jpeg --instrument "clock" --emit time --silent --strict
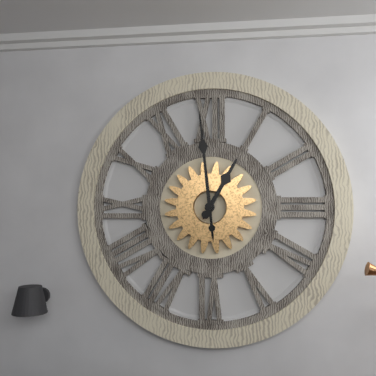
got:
12:59
